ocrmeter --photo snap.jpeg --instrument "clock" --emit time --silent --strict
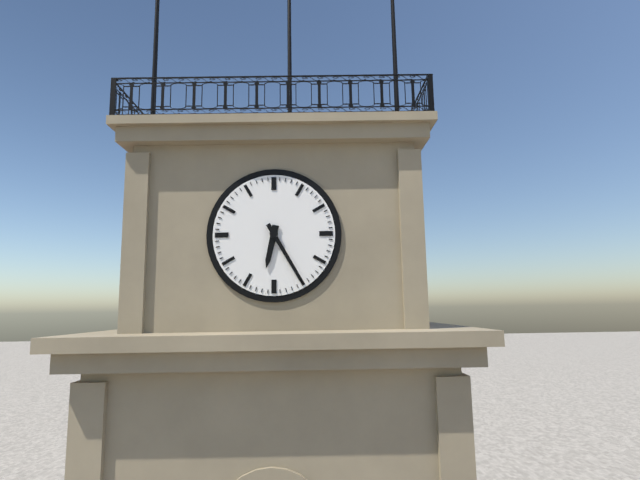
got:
6:25
